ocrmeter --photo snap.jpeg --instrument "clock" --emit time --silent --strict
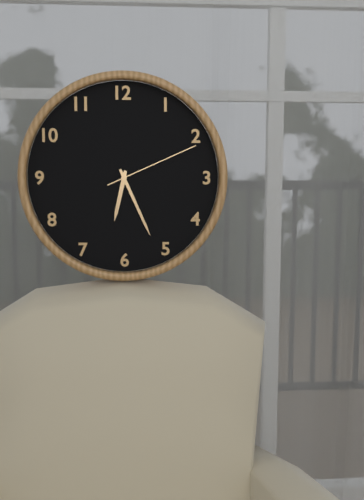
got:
6:26:11
